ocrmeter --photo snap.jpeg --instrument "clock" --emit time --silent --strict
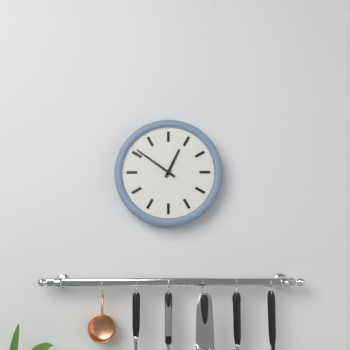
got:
12:51
